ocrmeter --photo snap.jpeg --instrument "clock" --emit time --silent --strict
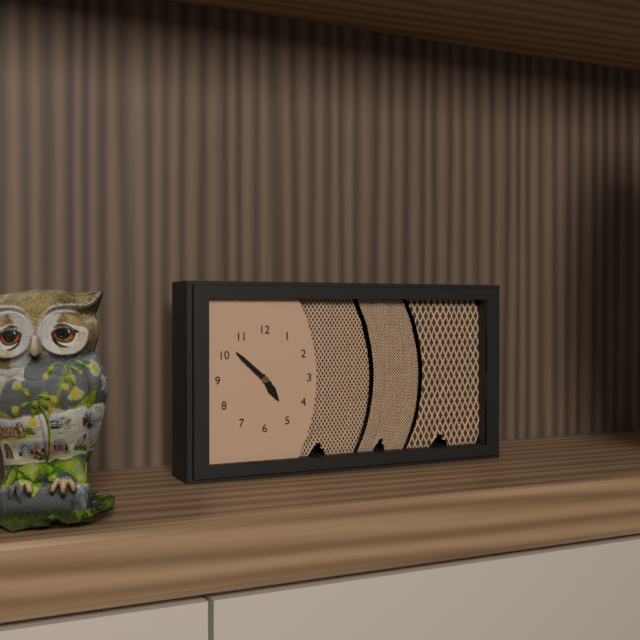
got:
4:52
